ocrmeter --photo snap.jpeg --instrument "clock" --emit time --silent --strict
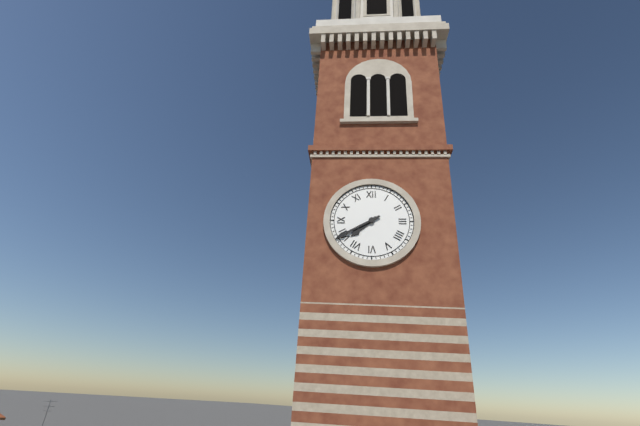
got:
7:40
